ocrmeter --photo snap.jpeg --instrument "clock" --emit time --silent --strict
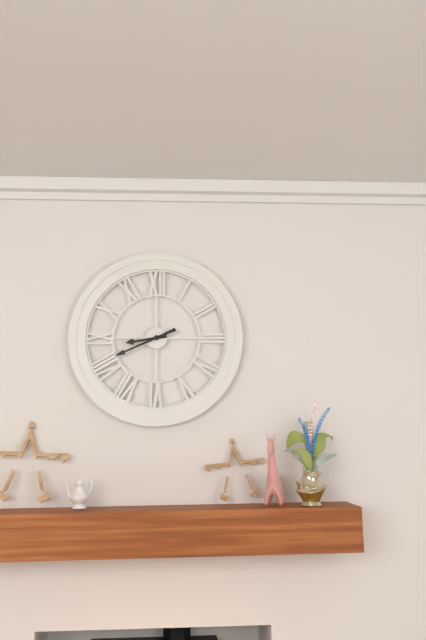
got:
8:41
